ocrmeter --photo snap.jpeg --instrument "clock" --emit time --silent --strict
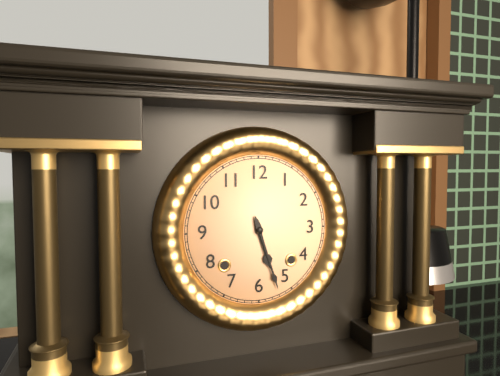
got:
5:27
